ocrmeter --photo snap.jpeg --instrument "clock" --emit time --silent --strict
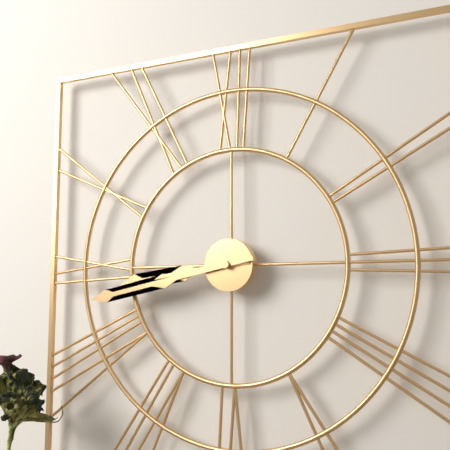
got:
8:43
